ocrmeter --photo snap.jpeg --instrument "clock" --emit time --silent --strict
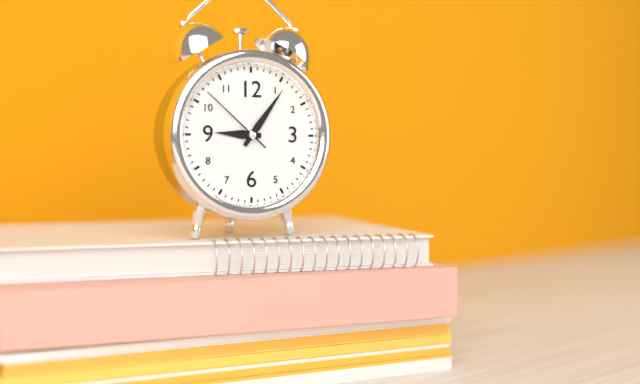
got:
9:06:52
